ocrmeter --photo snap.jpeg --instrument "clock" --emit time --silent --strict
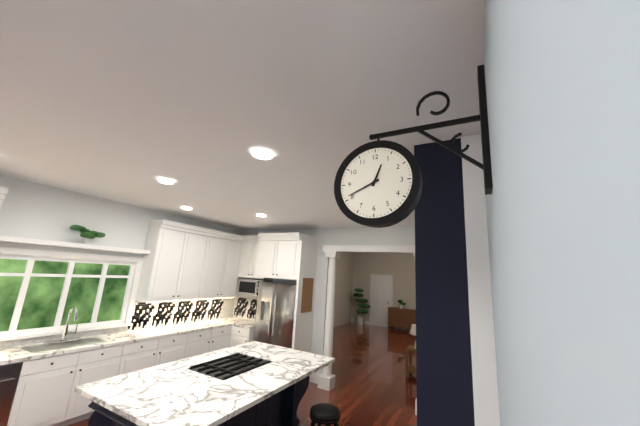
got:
12:41
